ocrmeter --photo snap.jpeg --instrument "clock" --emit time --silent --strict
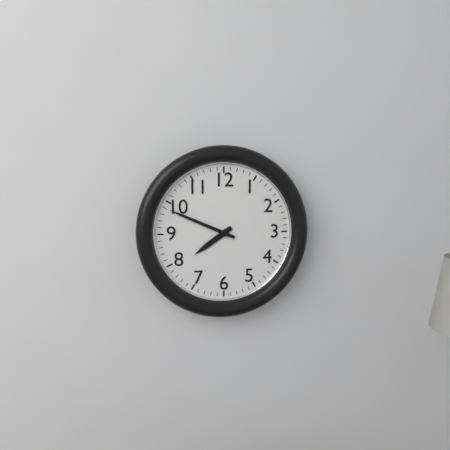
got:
7:49
